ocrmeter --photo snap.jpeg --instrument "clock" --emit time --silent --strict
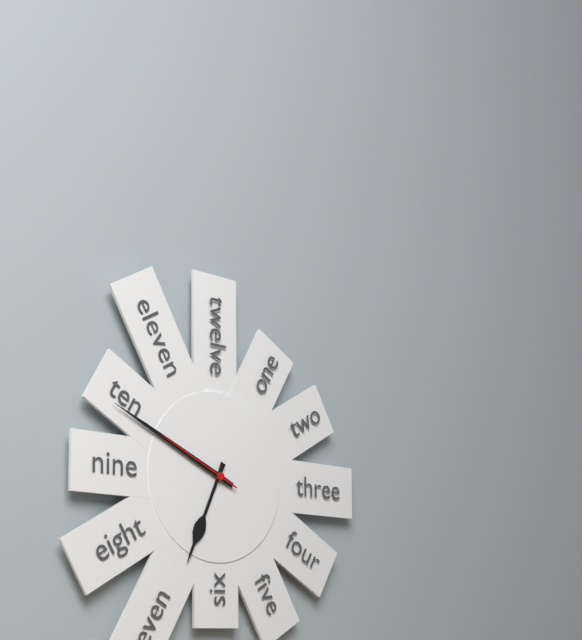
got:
6:49:49
